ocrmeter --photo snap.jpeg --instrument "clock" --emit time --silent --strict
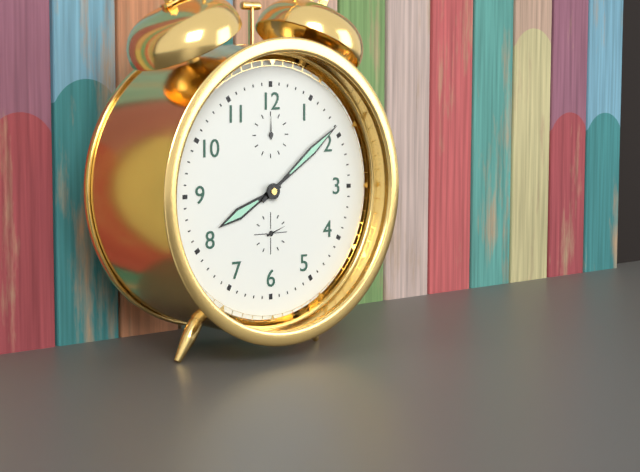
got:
8:09
